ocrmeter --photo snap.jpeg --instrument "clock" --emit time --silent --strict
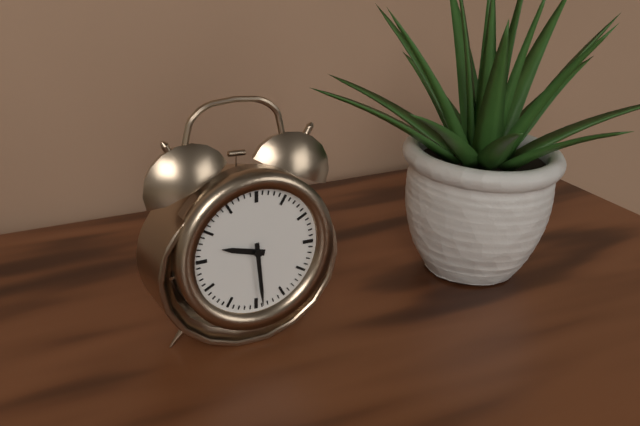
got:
9:29
